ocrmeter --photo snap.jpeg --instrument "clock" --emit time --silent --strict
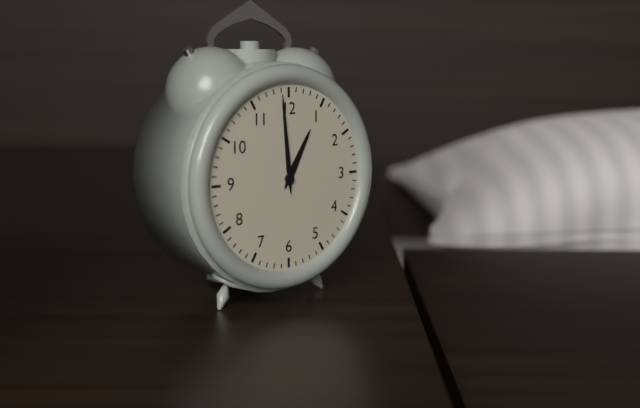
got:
12:59
